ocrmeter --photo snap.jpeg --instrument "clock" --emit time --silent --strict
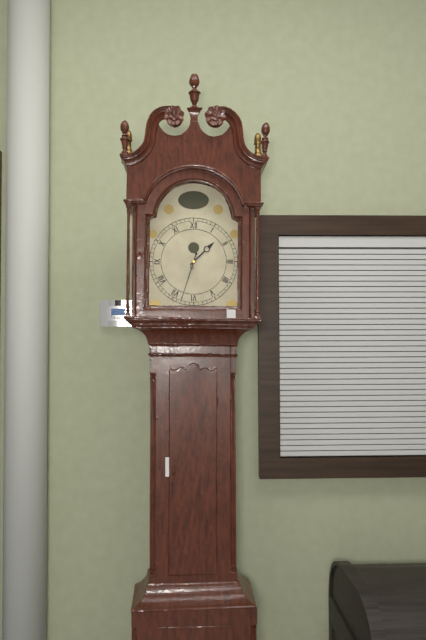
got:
1:33
